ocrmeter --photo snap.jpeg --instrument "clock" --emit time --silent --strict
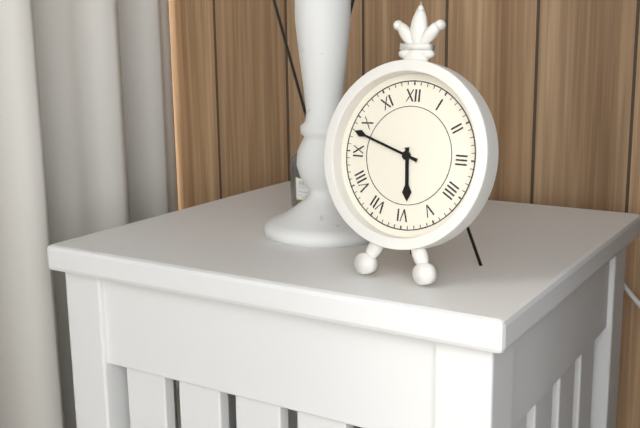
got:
5:48
